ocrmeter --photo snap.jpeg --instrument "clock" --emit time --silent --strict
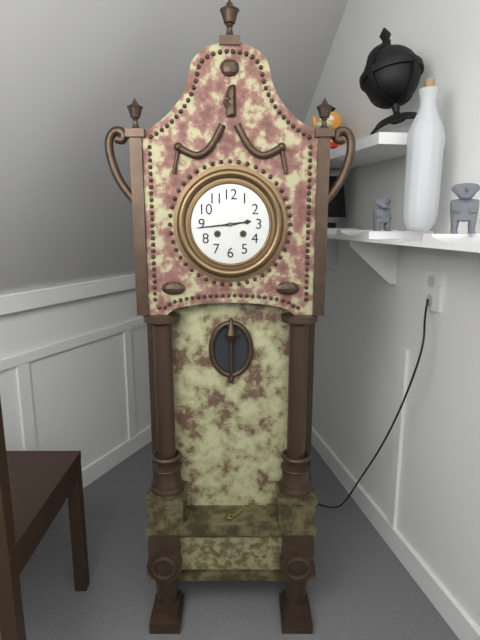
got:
2:44
